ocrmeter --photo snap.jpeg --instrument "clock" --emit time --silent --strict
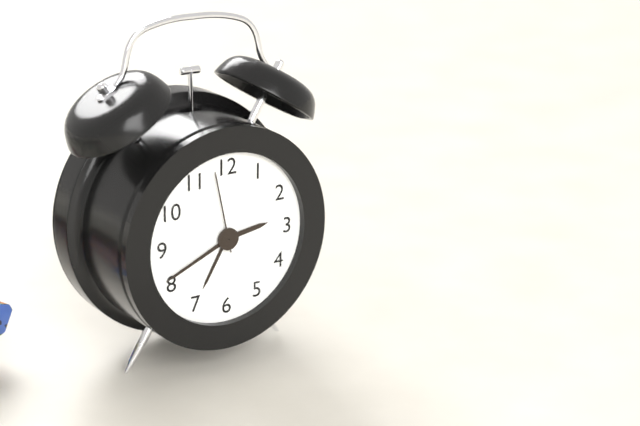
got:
2:41:58
